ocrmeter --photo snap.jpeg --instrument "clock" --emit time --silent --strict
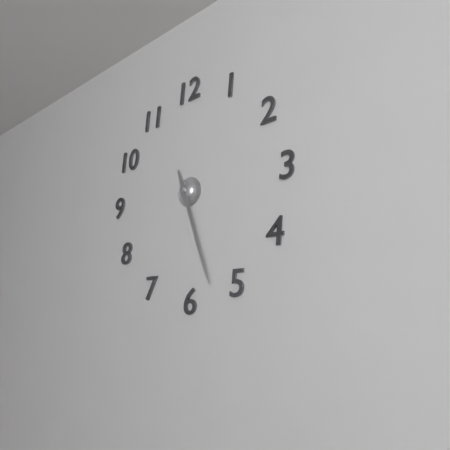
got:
5:27
